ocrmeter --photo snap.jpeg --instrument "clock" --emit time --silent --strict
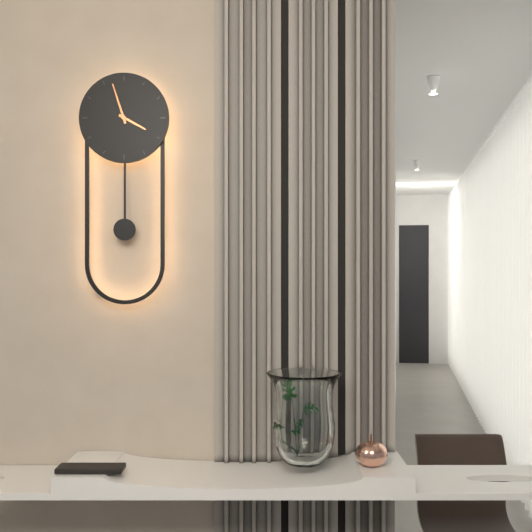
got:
3:57
